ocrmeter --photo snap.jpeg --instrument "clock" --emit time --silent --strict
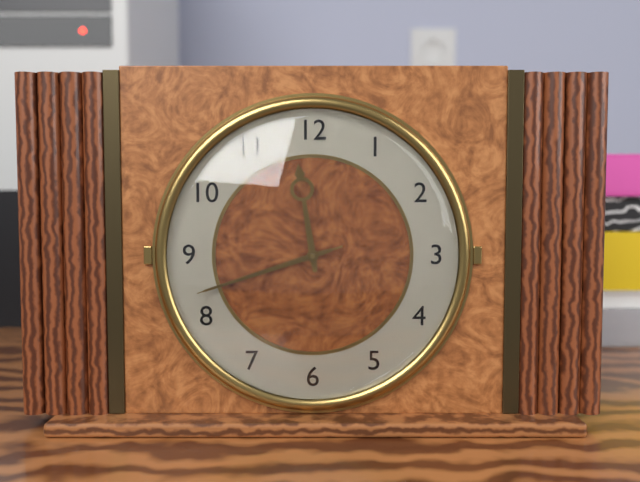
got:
11:42:42
